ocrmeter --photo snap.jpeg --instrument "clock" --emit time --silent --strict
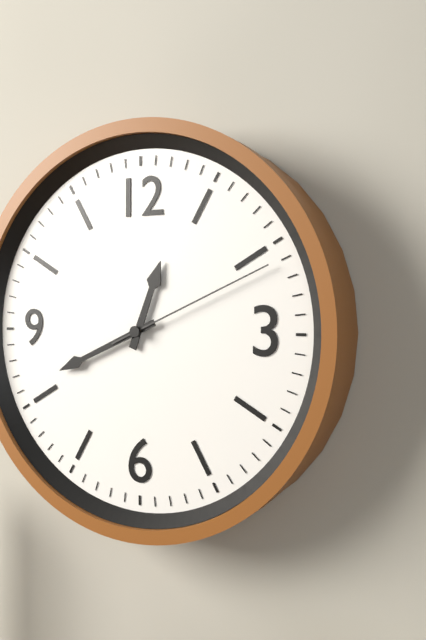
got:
12:41:11
